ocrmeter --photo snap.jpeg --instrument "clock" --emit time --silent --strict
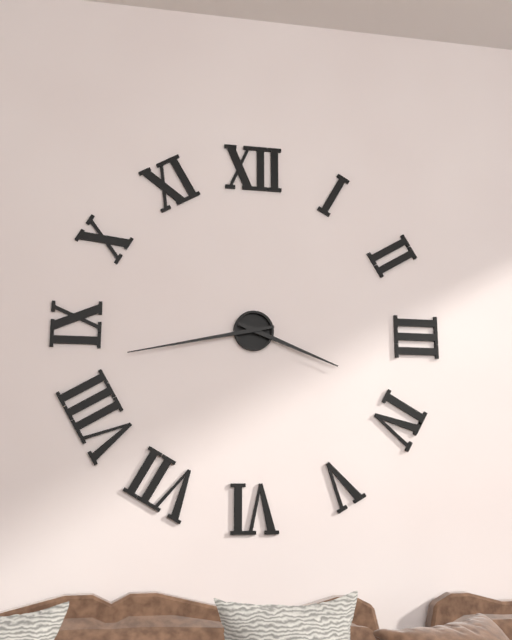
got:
3:43
